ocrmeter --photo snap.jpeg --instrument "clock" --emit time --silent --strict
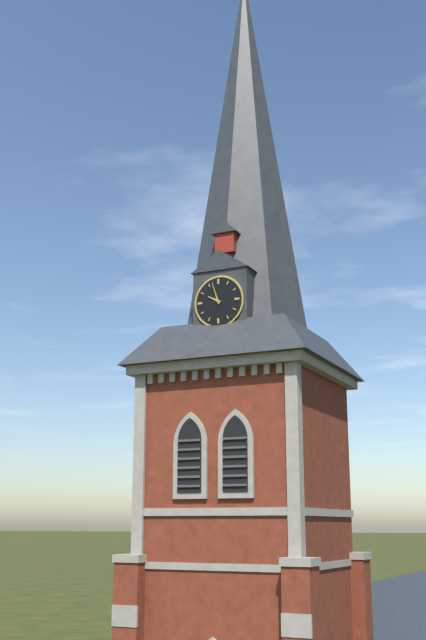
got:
9:57
